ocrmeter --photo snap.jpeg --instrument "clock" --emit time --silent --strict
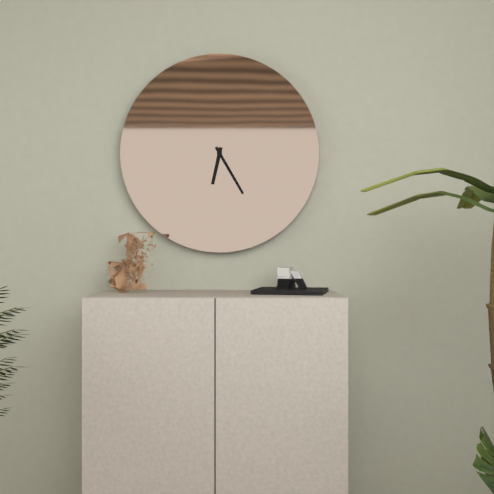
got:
6:25
